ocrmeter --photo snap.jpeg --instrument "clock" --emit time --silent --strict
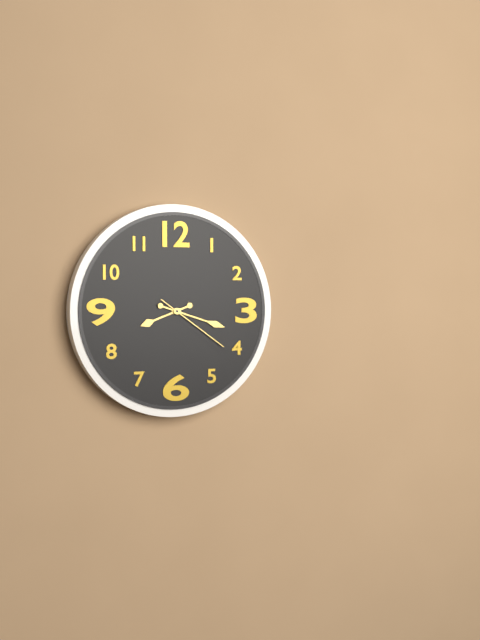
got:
8:18:21
